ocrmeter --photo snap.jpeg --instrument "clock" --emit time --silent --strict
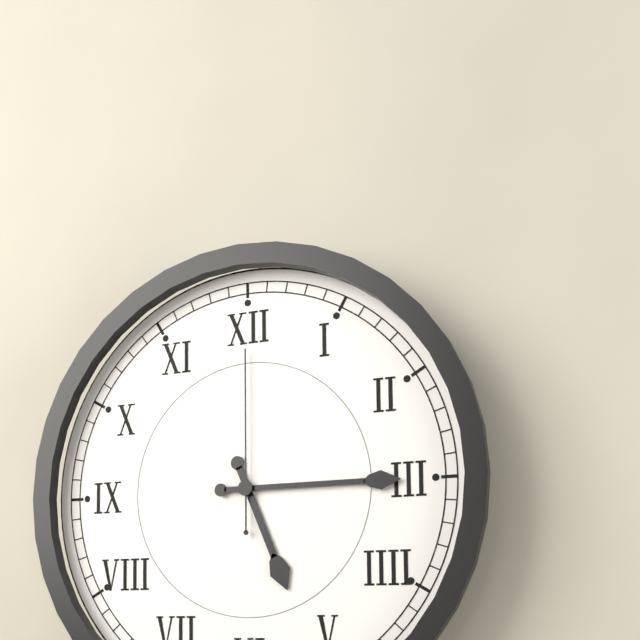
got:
5:15:00
